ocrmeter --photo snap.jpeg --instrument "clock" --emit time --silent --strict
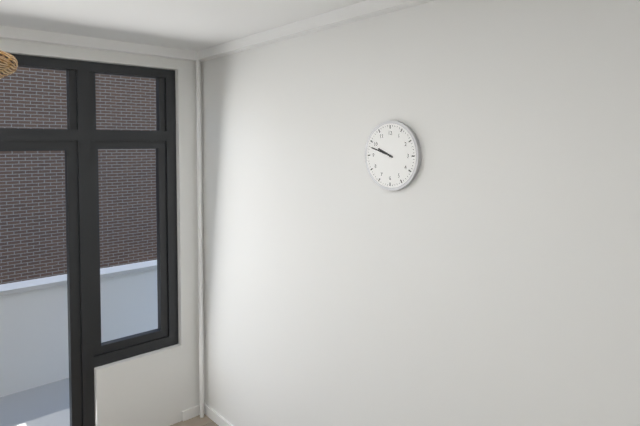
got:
9:48
